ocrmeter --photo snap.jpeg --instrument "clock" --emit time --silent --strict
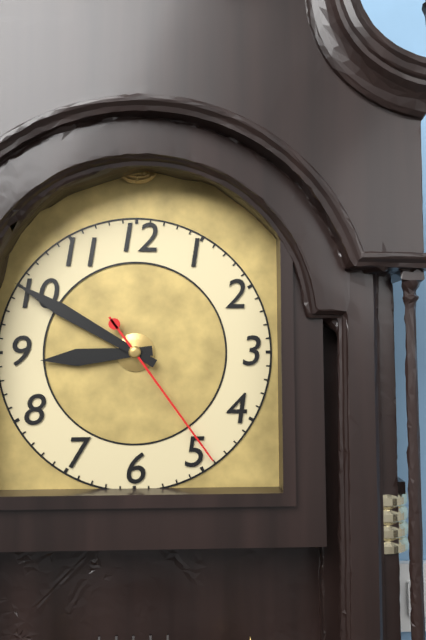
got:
8:50:24
